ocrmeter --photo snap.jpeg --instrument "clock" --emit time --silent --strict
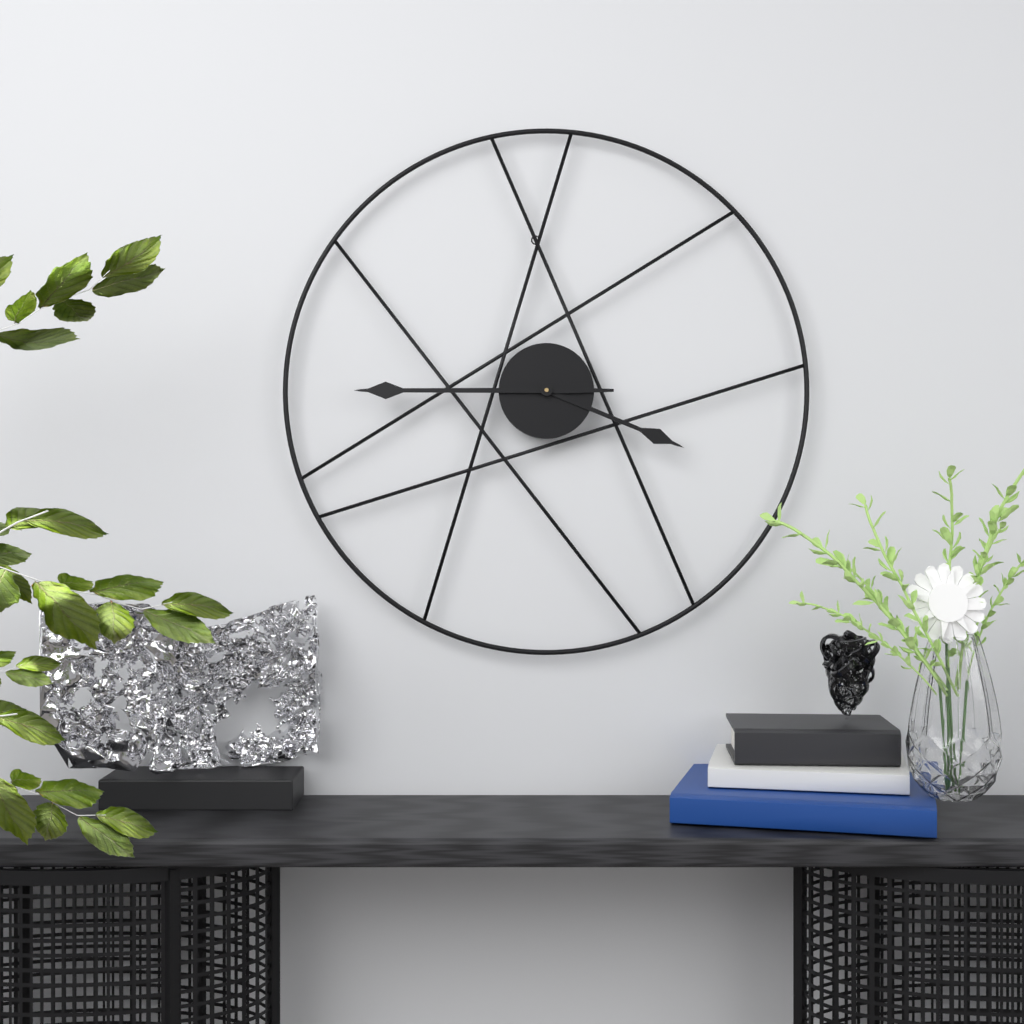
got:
3:45
